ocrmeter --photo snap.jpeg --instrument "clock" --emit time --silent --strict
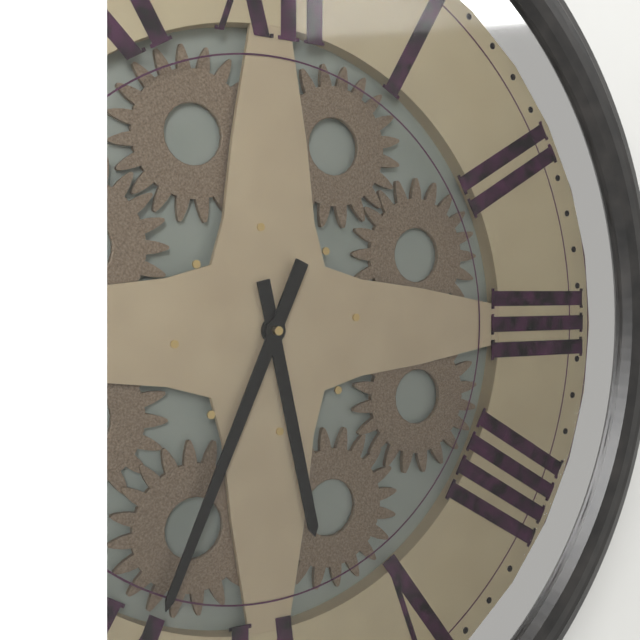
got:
5:34
